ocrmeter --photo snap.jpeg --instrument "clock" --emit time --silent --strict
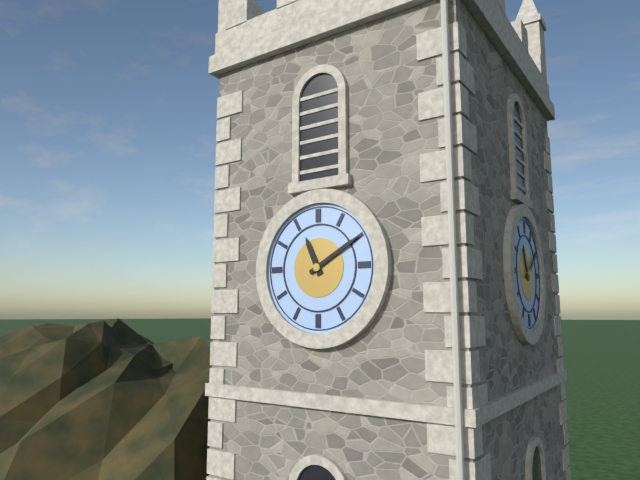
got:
11:10
